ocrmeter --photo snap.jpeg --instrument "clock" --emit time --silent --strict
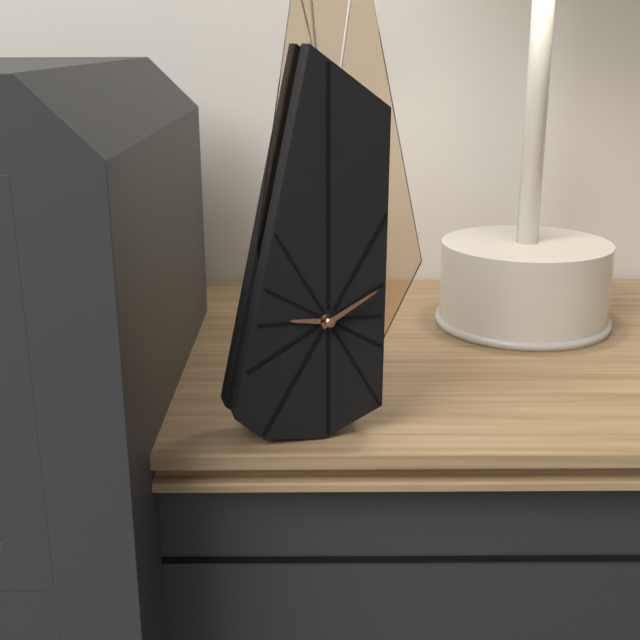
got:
9:10
